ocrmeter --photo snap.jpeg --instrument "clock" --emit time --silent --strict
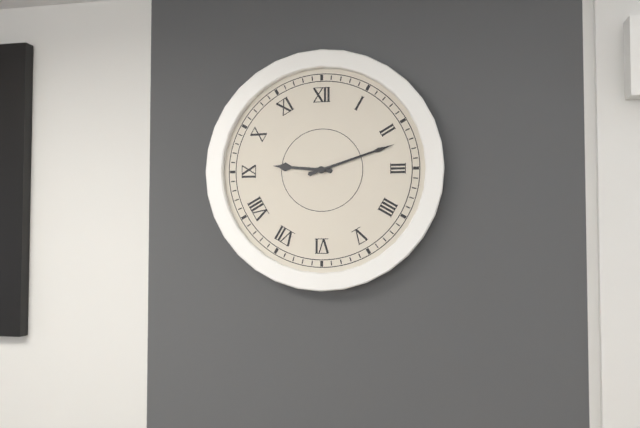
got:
9:12
